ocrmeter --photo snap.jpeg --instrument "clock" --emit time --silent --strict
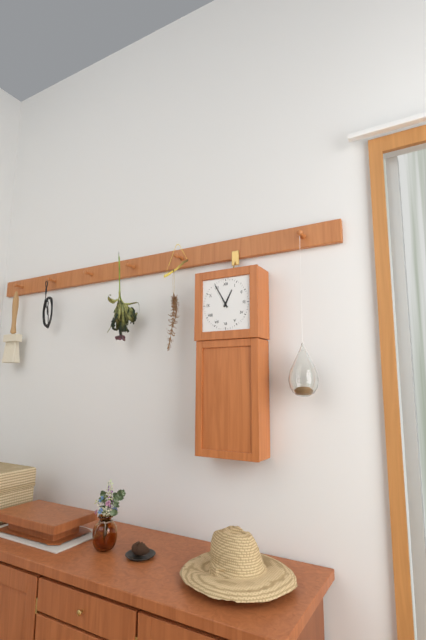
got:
12:55
